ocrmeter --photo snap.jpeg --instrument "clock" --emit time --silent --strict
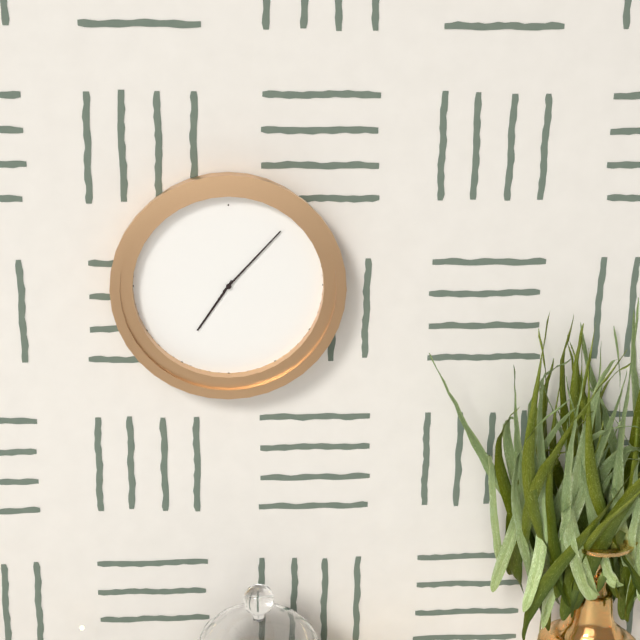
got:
7:07
